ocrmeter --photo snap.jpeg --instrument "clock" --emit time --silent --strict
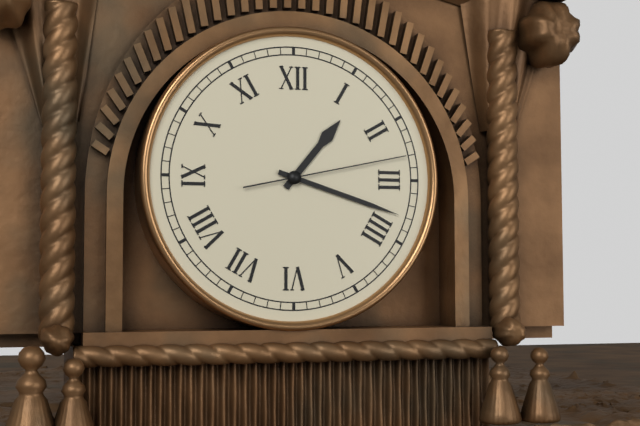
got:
1:18:13
